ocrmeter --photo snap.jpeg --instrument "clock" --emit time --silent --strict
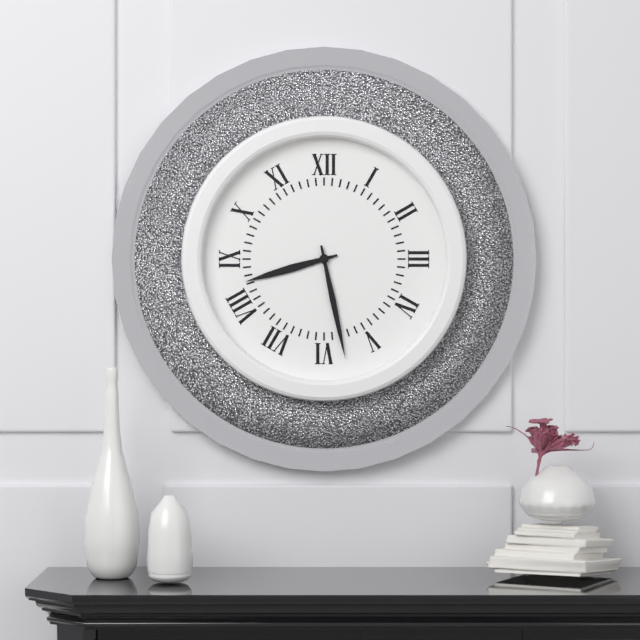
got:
8:28
